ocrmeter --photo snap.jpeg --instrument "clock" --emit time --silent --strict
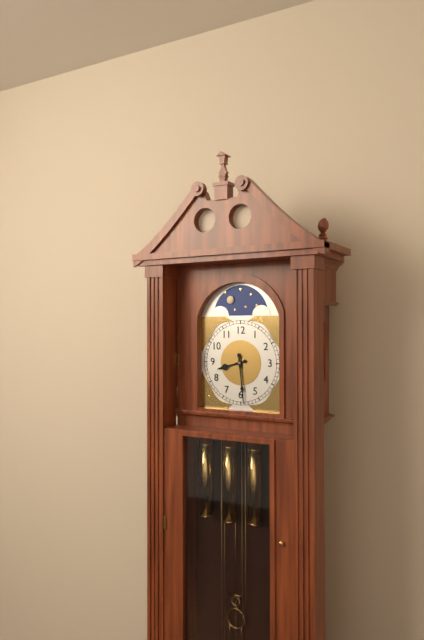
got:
8:29
